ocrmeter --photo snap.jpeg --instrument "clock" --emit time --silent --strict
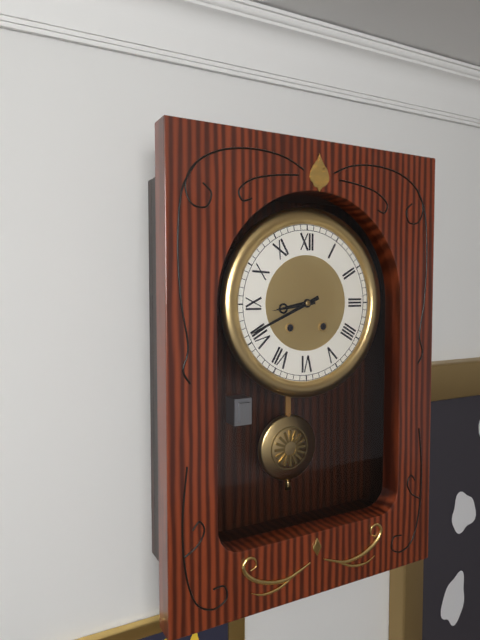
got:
8:41
